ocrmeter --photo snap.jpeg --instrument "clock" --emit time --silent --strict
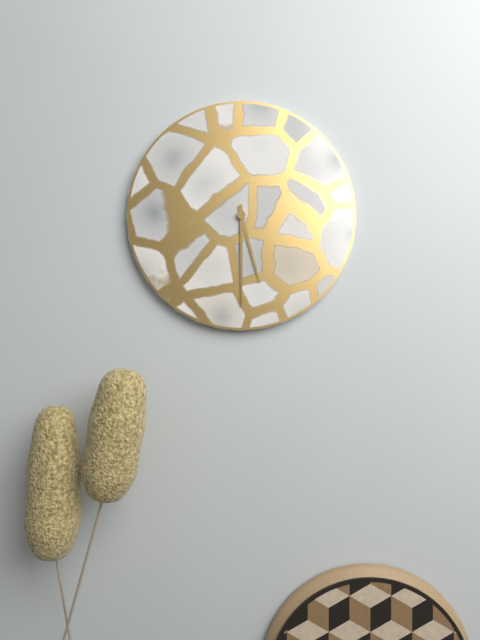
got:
5:30
